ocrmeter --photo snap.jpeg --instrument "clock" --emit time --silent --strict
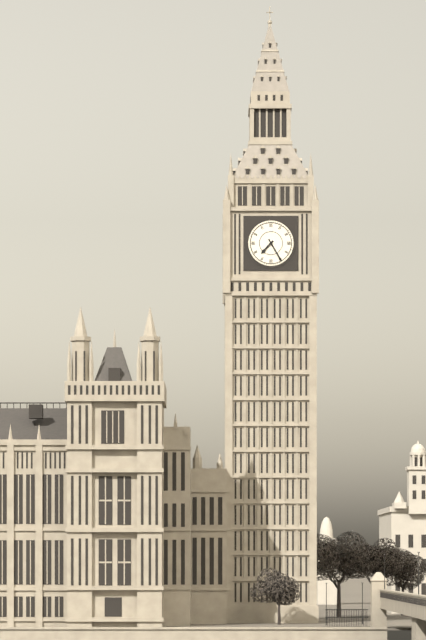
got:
7:25
